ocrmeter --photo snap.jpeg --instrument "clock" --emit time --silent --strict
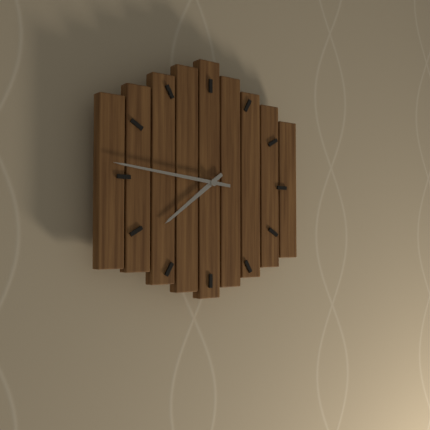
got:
7:46
